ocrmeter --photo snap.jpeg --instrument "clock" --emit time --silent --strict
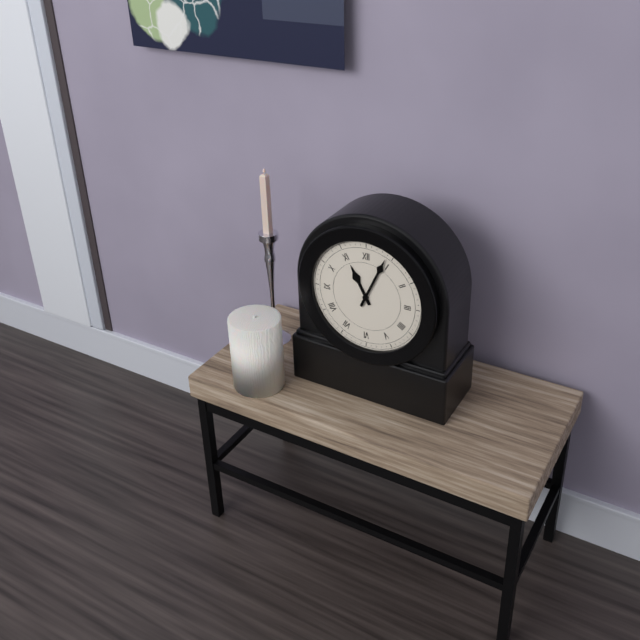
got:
11:04
